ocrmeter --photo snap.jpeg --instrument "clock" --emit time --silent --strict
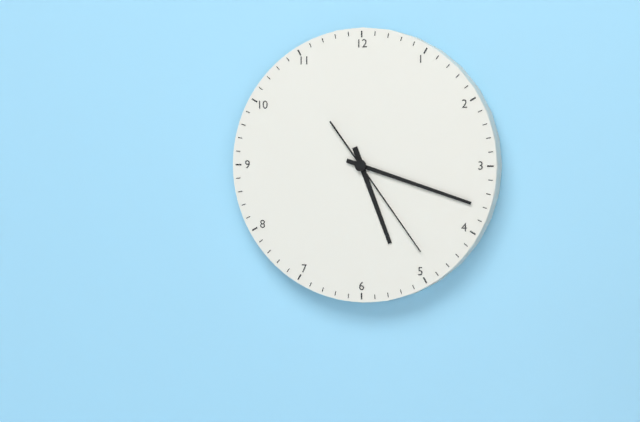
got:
5:18:24
